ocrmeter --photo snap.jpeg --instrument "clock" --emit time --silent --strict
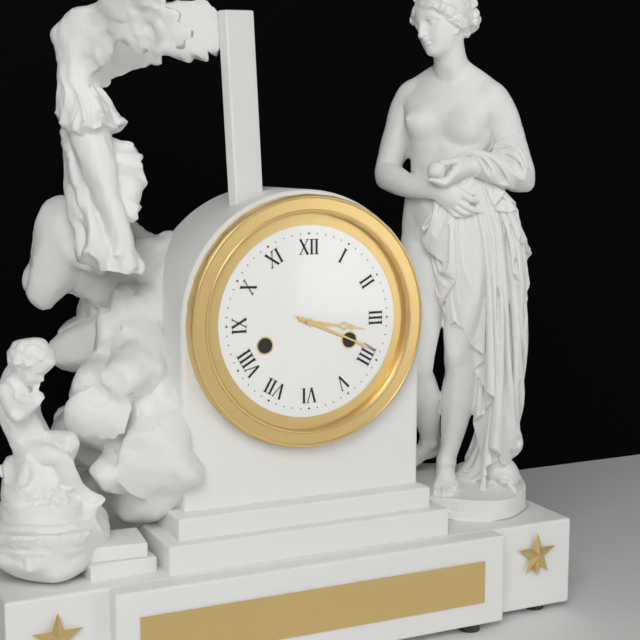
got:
3:19
